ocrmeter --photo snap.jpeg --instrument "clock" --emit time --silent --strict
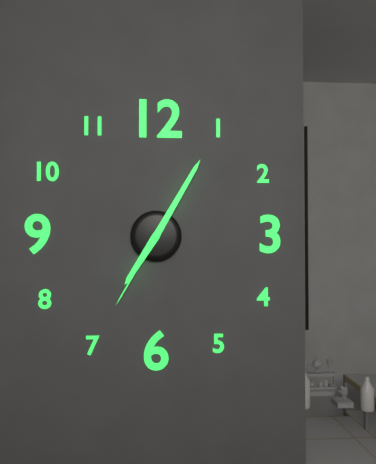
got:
7:05:35
